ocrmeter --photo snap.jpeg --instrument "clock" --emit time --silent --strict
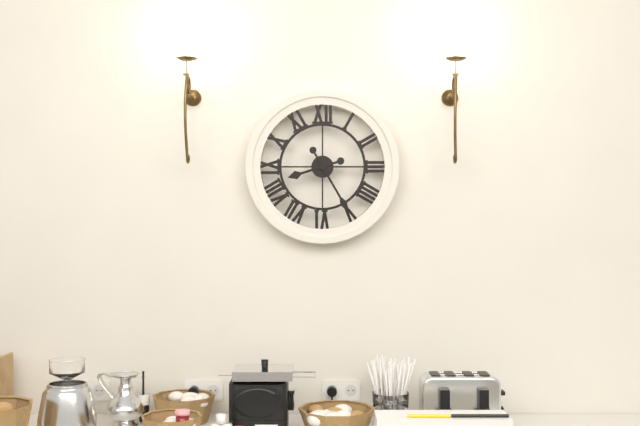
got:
8:25
